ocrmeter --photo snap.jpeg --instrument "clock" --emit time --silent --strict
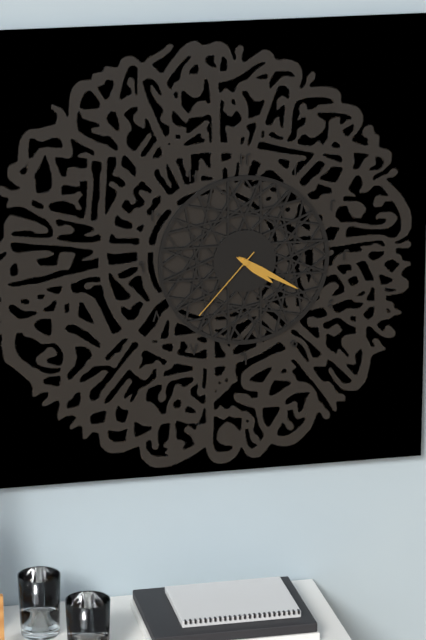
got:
4:20:37
